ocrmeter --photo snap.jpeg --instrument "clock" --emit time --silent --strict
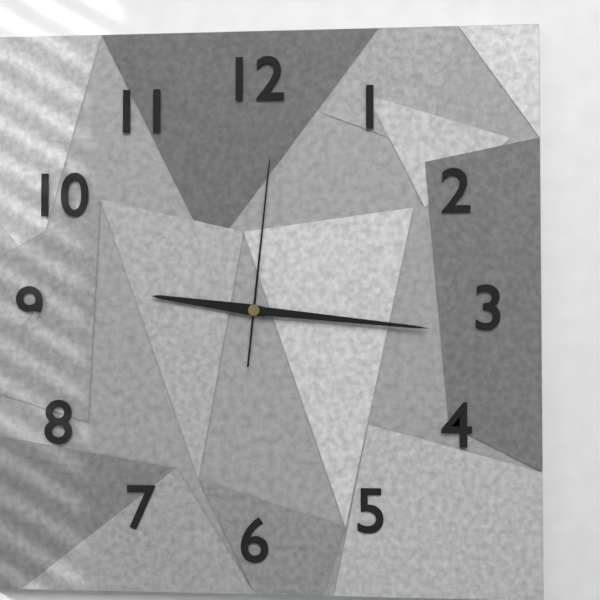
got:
9:16:01
